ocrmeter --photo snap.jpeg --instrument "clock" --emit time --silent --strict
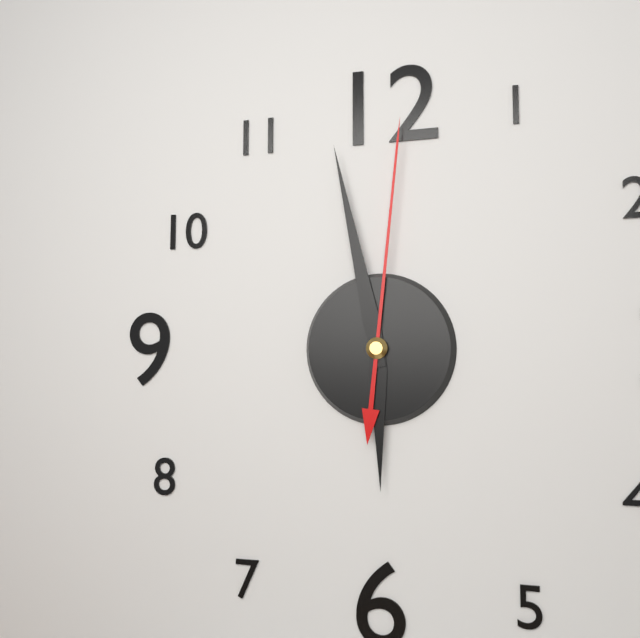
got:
5:58:01
